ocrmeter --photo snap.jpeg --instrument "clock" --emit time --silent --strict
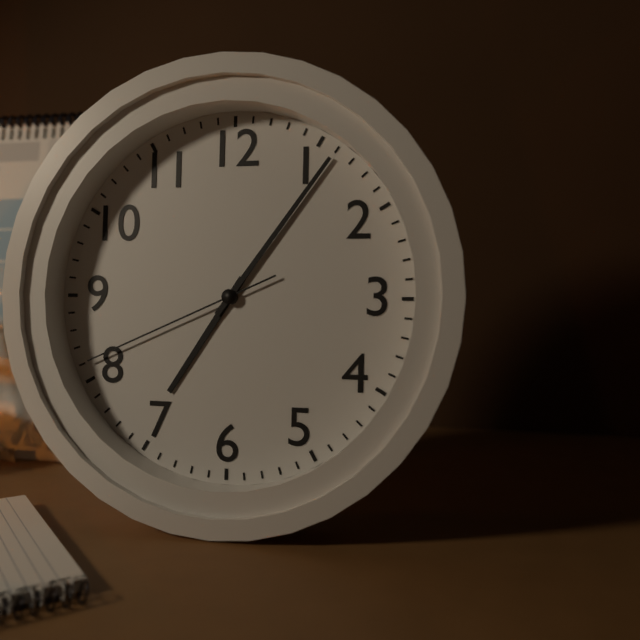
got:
7:06:41
